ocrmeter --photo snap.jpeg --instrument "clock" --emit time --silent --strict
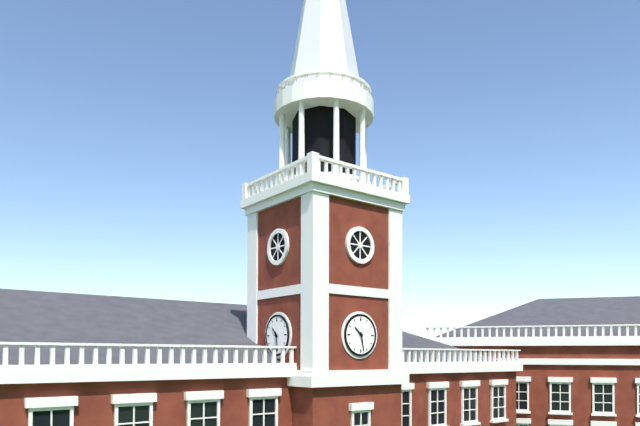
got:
10:28
